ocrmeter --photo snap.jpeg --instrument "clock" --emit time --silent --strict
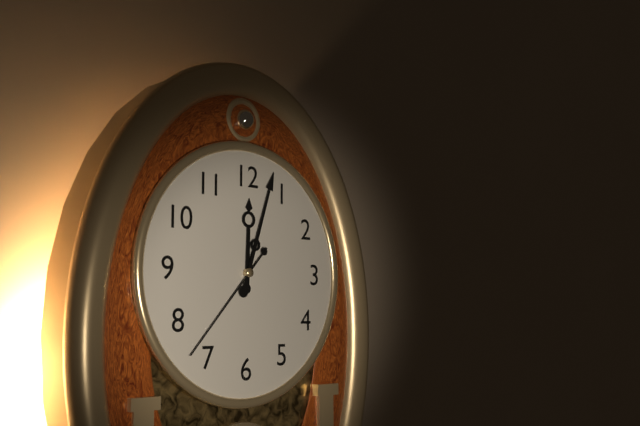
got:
12:03:37
